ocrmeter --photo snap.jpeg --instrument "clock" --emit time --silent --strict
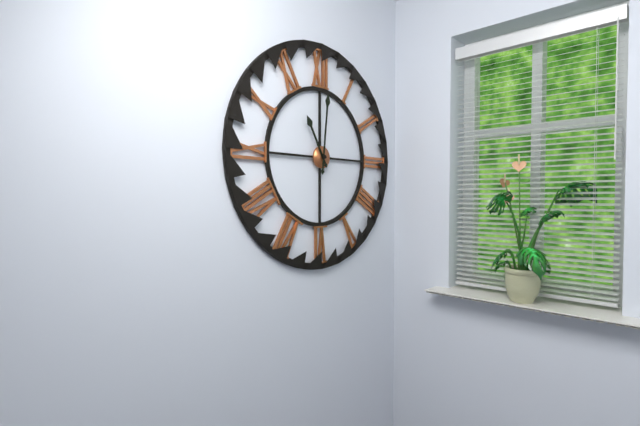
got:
11:01
